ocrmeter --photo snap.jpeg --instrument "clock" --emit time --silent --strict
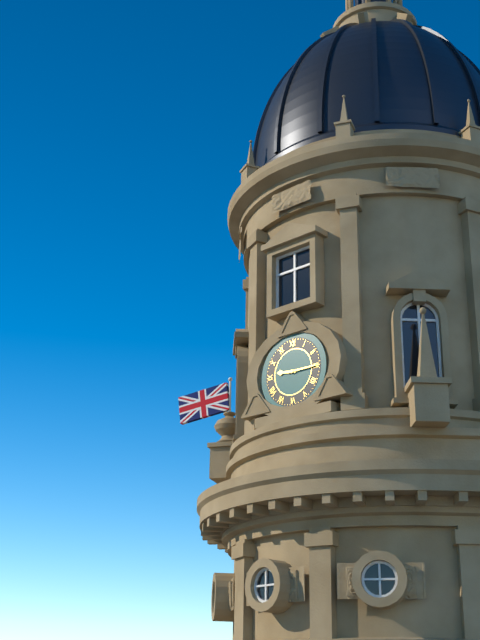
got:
9:15
